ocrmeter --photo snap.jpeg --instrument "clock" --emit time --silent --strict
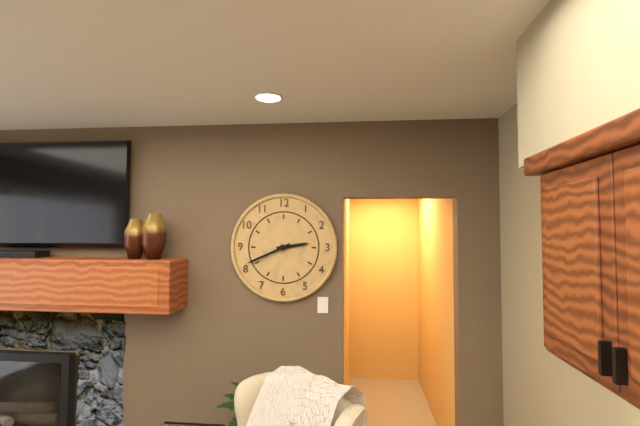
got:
2:41
